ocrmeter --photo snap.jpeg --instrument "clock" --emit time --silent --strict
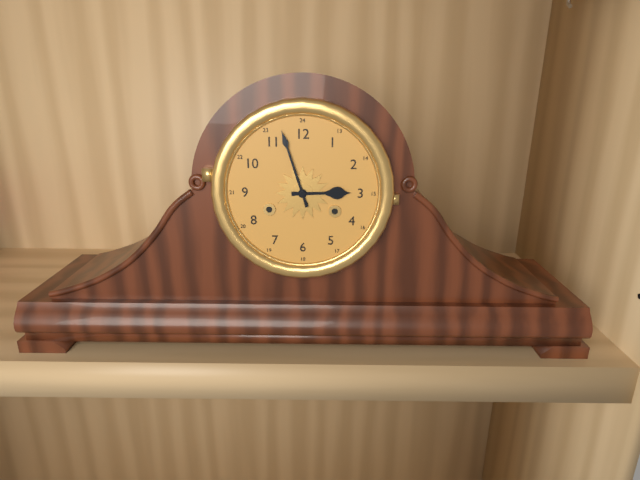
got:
2:57
